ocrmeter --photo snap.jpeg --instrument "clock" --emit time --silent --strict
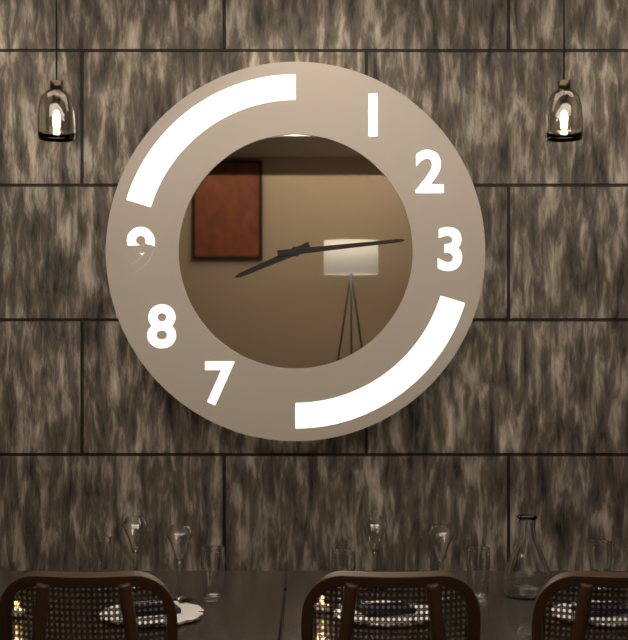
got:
8:14
